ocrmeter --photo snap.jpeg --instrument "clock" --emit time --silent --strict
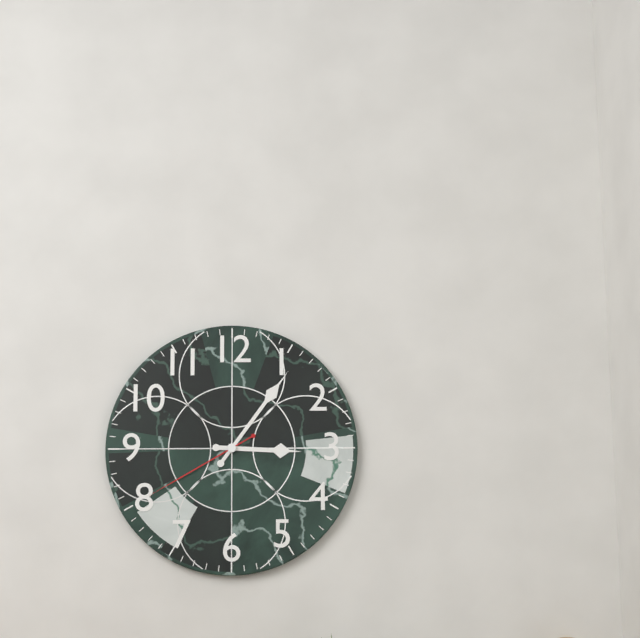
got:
3:06:40
